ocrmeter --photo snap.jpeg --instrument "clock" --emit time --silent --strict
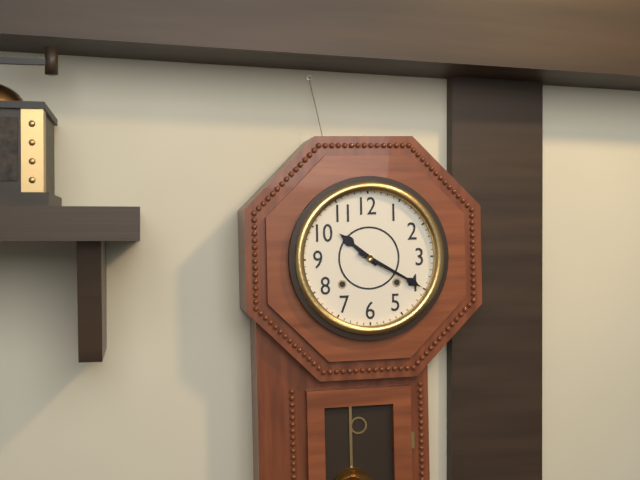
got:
10:20
